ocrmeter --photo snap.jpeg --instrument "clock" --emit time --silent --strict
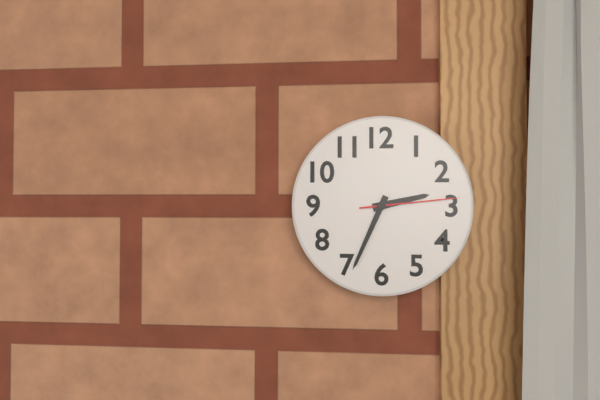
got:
2:34:14
